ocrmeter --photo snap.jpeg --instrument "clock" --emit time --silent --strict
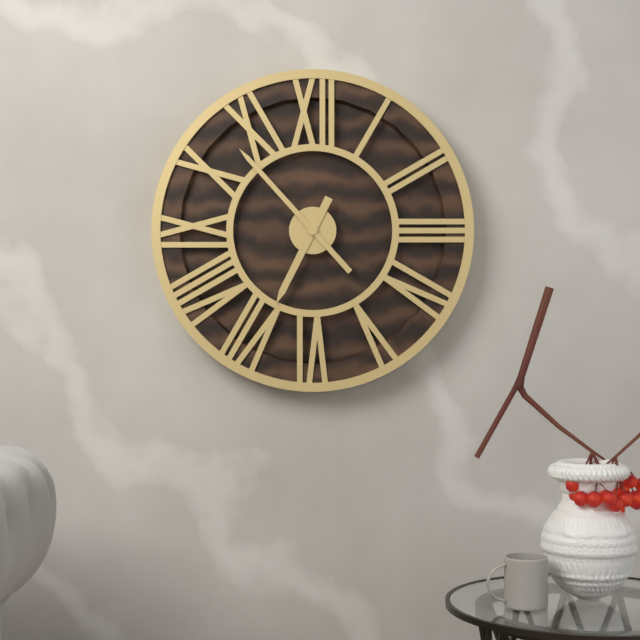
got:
6:53
